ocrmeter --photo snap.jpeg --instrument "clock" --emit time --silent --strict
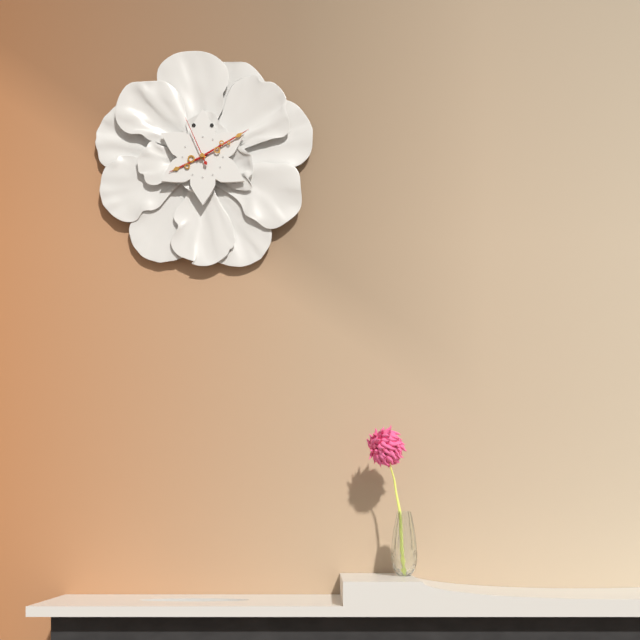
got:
8:10:56
